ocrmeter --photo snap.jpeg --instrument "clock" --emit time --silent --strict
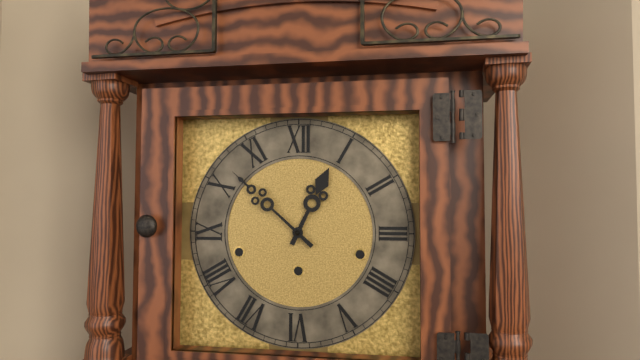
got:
12:52
